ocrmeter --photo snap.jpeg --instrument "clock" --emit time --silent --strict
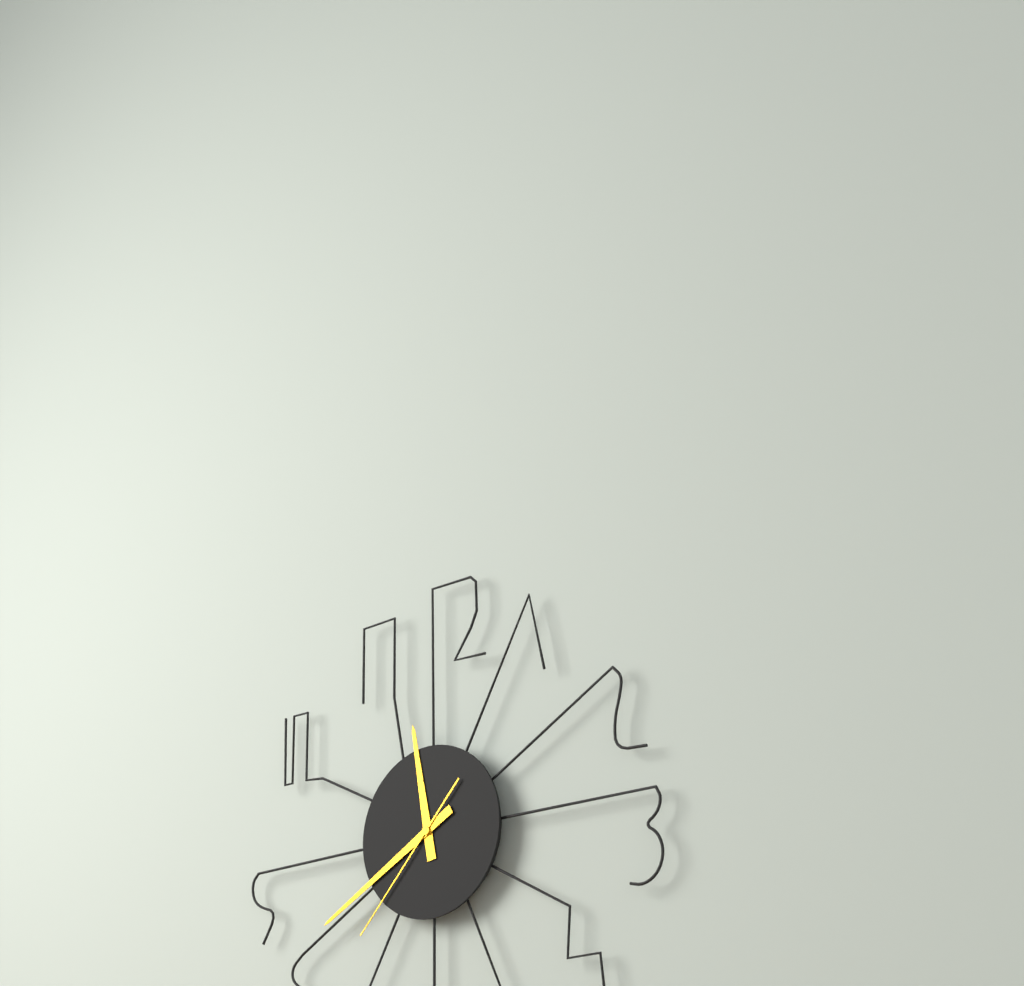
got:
11:40:37
